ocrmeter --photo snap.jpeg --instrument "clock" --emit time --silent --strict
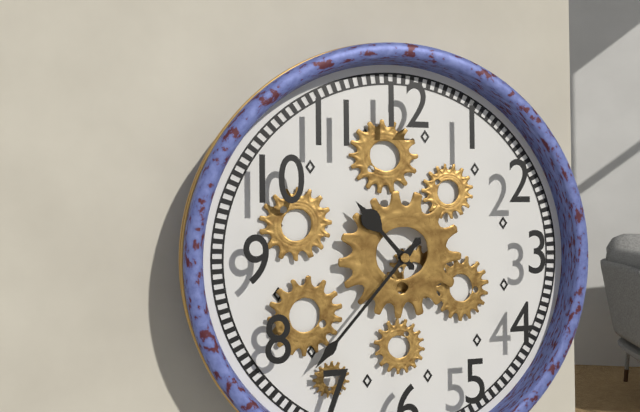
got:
10:37
